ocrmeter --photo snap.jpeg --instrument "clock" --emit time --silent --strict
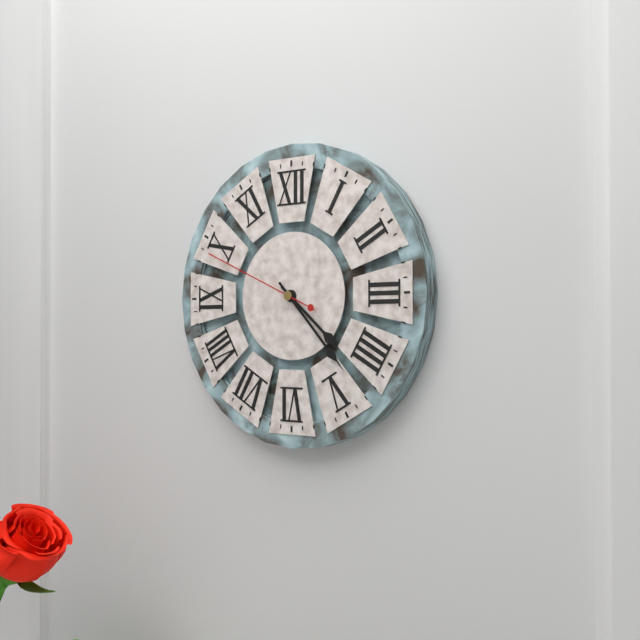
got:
4:23:49
